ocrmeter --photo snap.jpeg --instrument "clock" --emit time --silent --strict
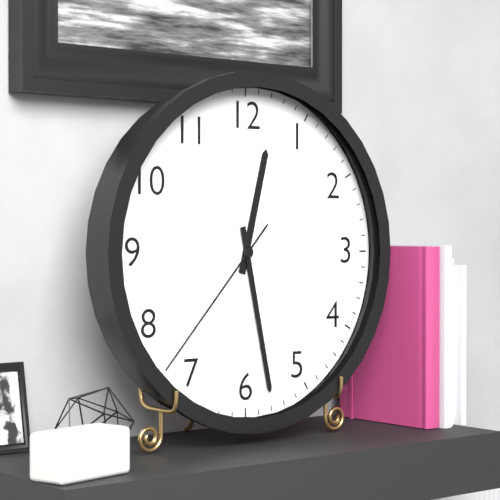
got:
12:28:37
